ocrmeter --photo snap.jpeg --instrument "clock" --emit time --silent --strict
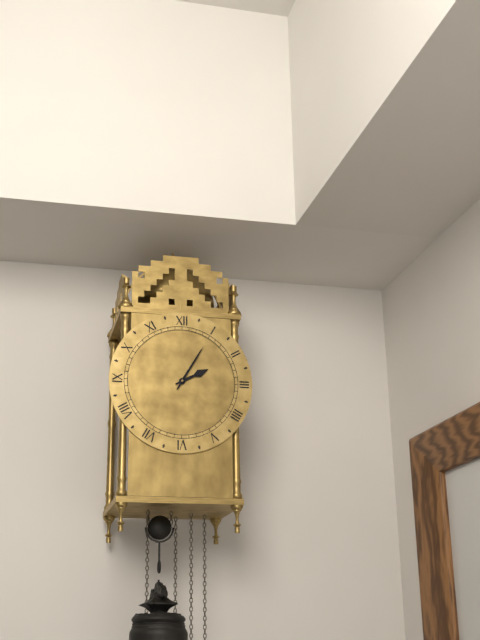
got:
2:05
